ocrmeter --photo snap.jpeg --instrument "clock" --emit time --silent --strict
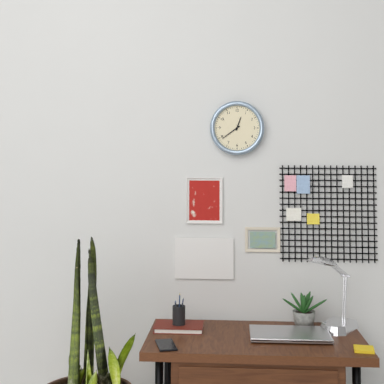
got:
12:39
